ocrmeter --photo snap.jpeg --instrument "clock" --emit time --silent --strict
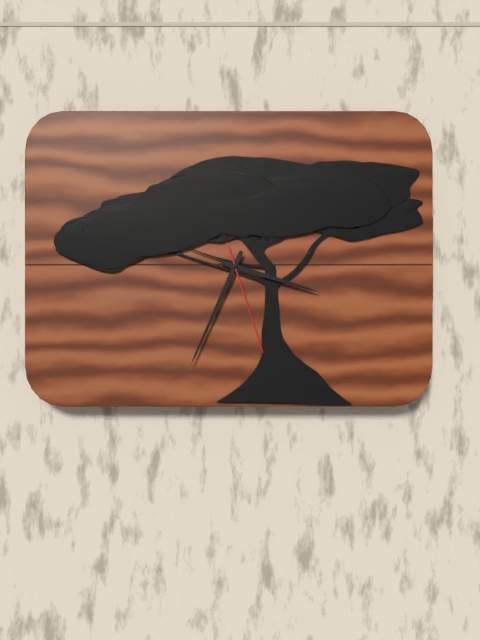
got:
3:34:27
